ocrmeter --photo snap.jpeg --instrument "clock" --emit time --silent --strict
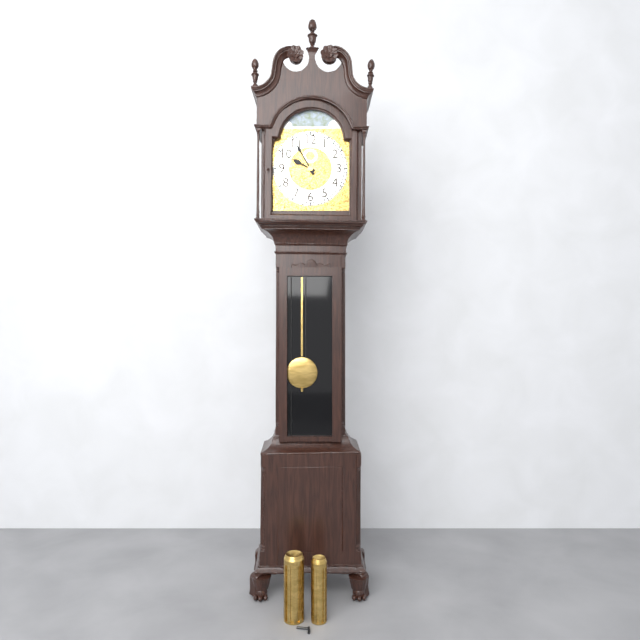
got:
9:55
